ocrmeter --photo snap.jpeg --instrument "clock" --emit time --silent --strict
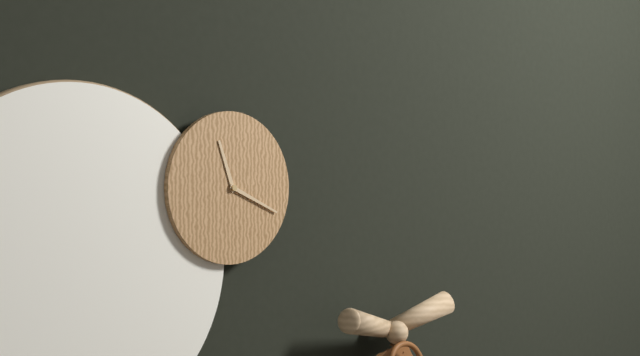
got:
11:19
